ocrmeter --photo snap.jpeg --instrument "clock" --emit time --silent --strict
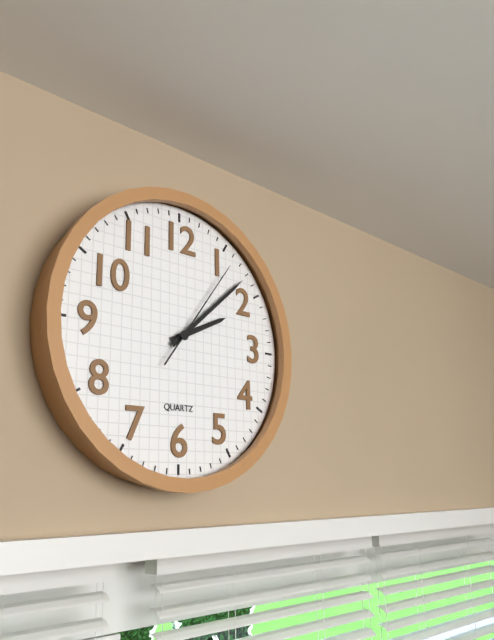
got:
2:08:06
